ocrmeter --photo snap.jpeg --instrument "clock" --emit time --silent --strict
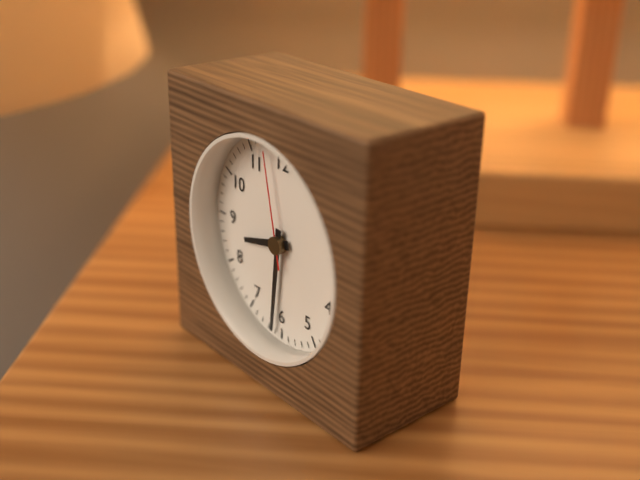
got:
8:31:58
